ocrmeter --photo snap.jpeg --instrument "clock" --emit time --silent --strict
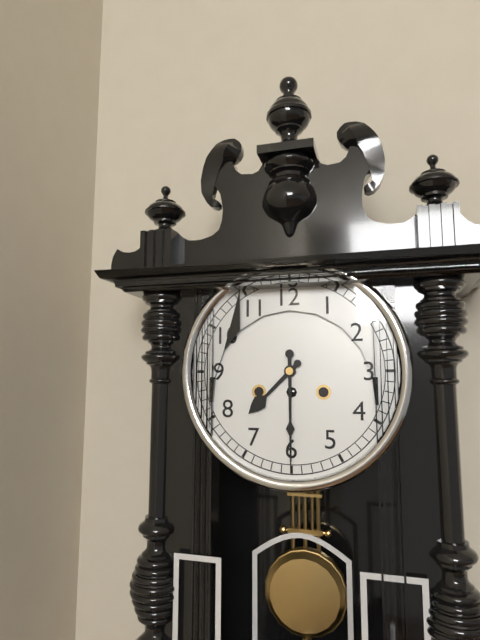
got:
7:30
